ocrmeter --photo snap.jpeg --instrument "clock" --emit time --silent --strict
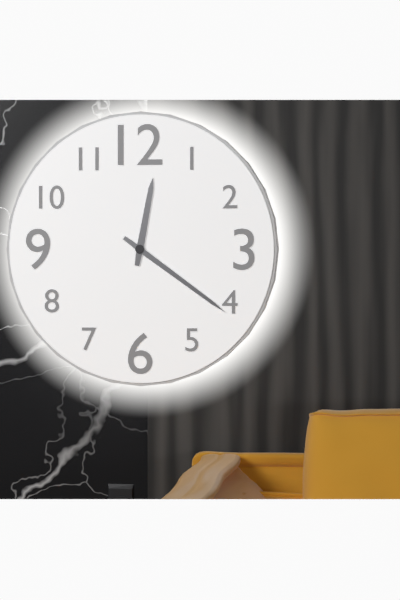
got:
12:21
